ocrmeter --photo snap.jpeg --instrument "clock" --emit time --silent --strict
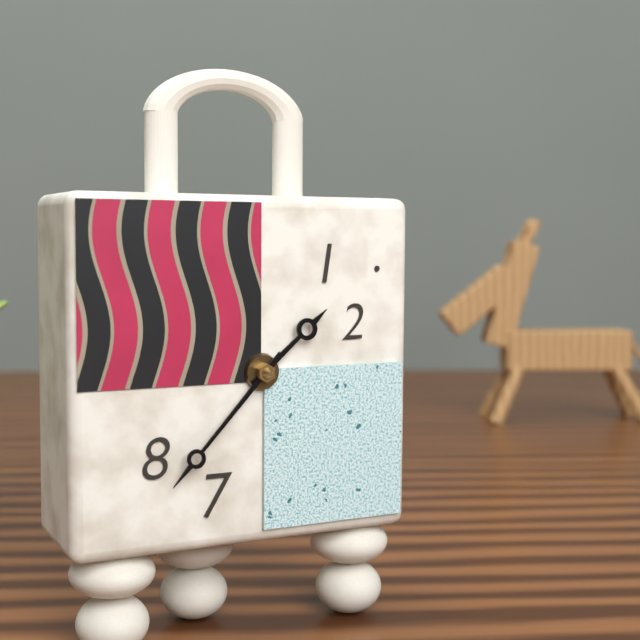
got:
1:37
